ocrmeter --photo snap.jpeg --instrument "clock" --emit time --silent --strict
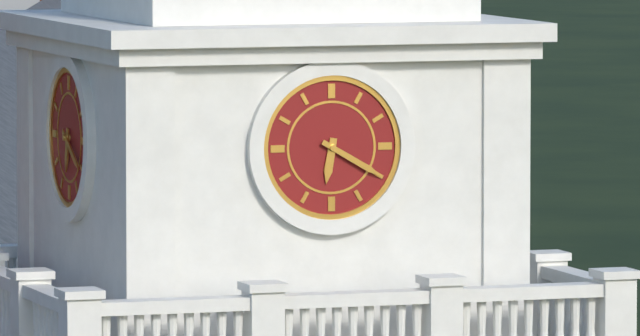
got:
6:20
